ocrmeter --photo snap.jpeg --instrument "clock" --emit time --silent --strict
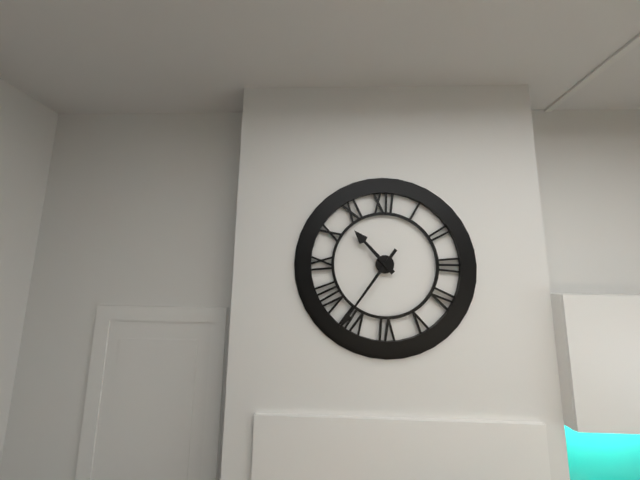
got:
10:36
